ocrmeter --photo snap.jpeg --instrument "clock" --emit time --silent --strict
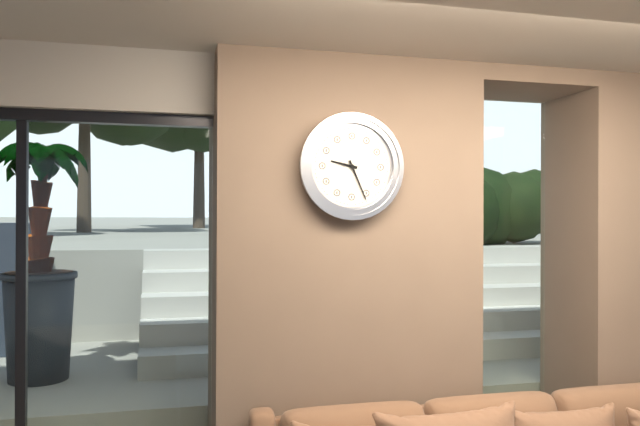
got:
9:26
